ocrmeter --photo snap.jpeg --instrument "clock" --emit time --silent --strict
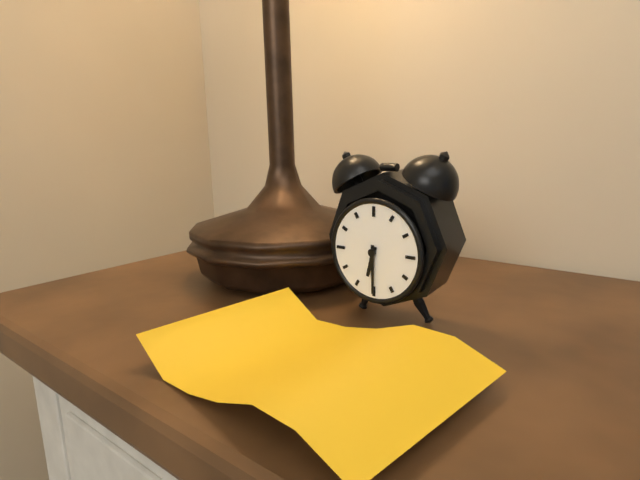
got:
6:30
